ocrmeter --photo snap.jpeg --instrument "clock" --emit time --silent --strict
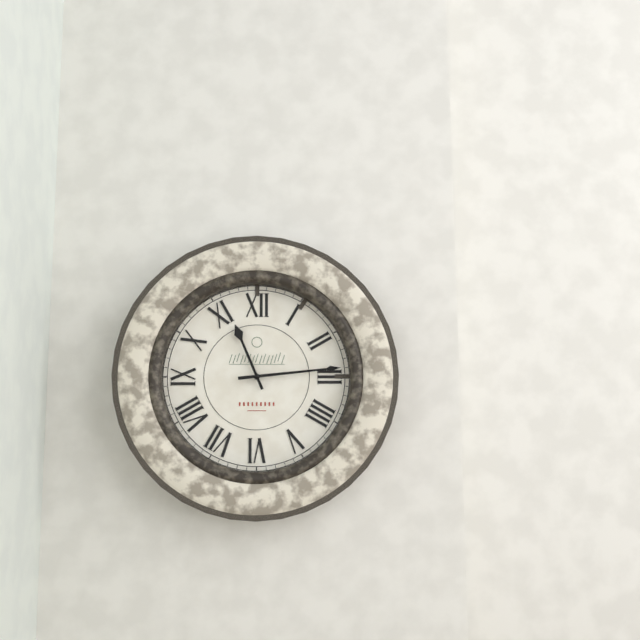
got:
11:14
